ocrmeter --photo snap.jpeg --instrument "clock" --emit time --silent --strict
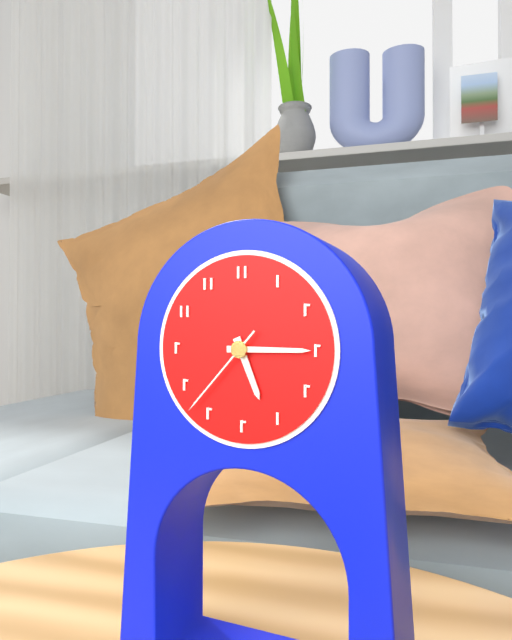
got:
5:15:37
